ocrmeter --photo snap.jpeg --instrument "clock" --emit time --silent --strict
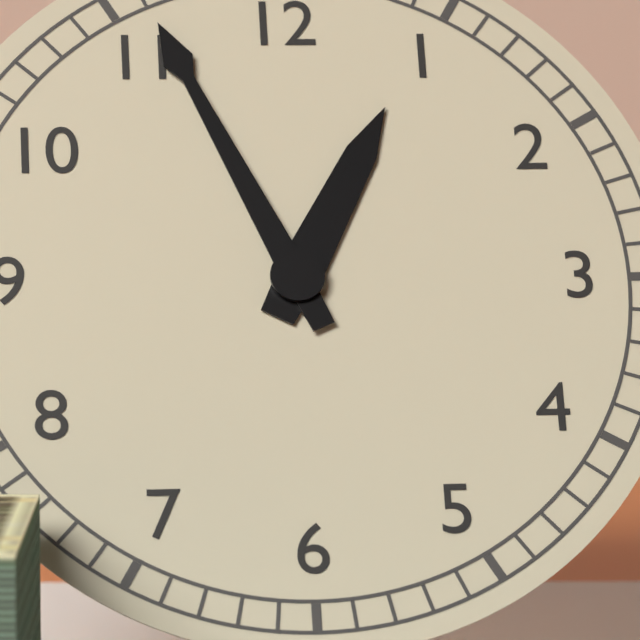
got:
12:56
